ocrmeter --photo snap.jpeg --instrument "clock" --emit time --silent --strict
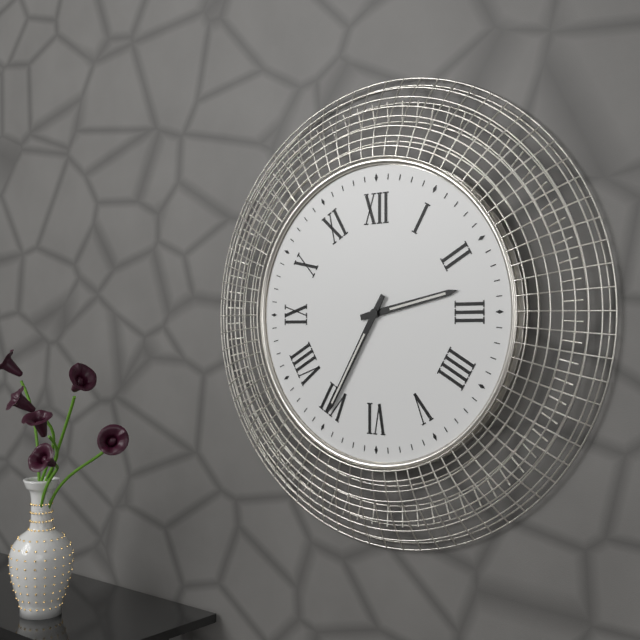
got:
2:35
